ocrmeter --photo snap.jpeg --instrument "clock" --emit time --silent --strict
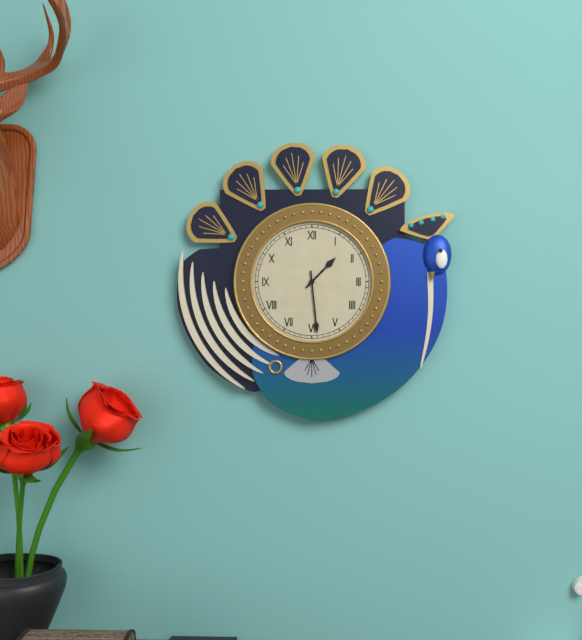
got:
1:29
